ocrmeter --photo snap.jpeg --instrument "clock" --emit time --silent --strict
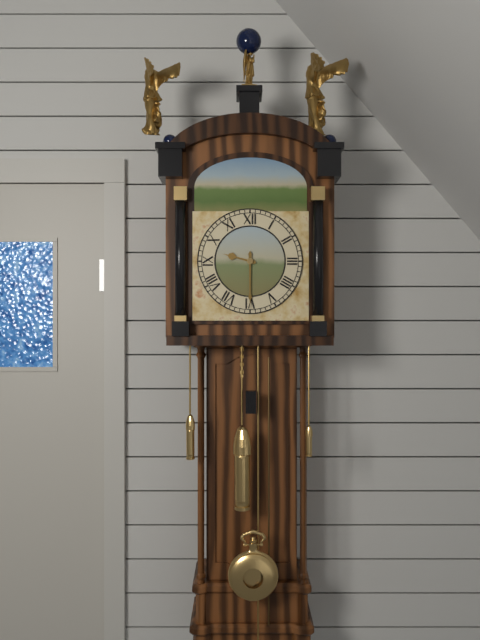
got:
9:30
